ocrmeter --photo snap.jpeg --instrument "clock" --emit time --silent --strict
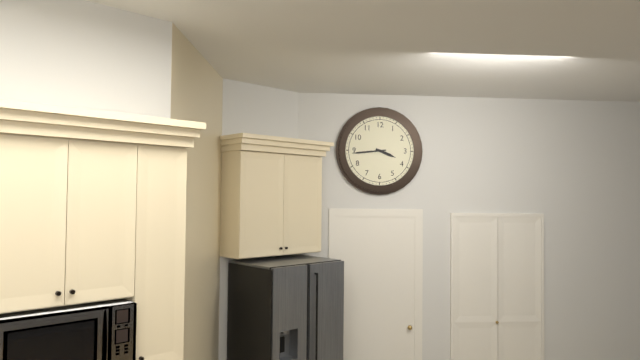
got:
3:44
